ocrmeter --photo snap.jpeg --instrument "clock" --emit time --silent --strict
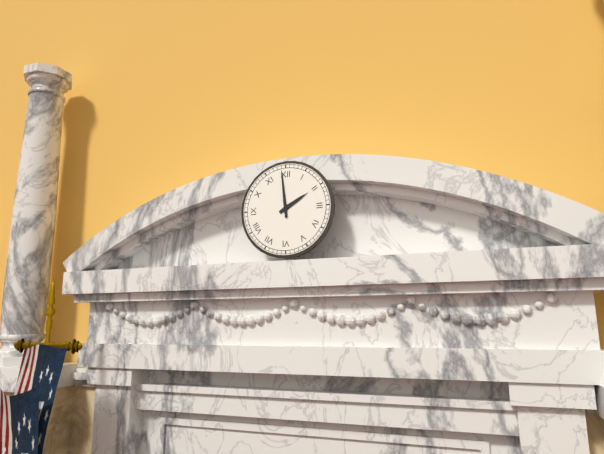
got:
1:59
